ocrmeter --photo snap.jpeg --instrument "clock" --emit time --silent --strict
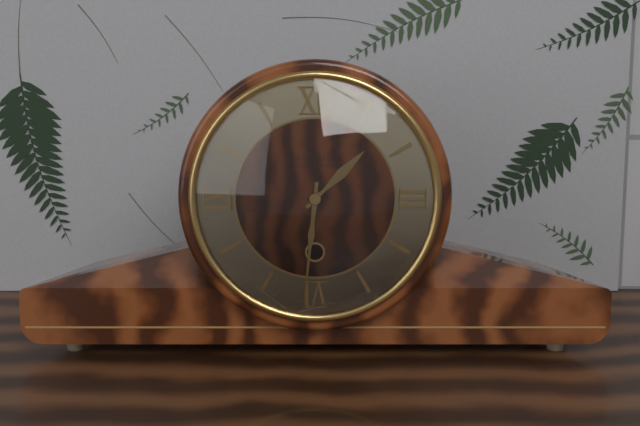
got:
1:31
